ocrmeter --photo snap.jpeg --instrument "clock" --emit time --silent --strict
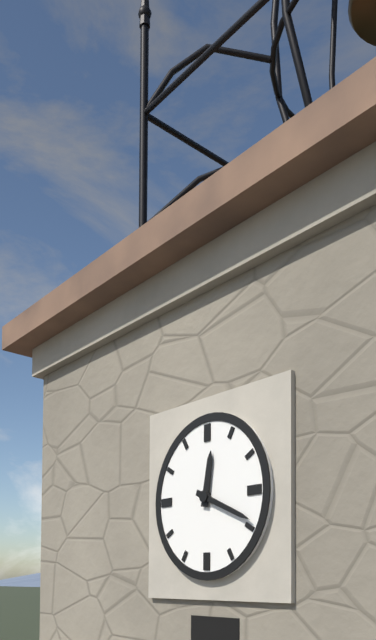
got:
12:19
